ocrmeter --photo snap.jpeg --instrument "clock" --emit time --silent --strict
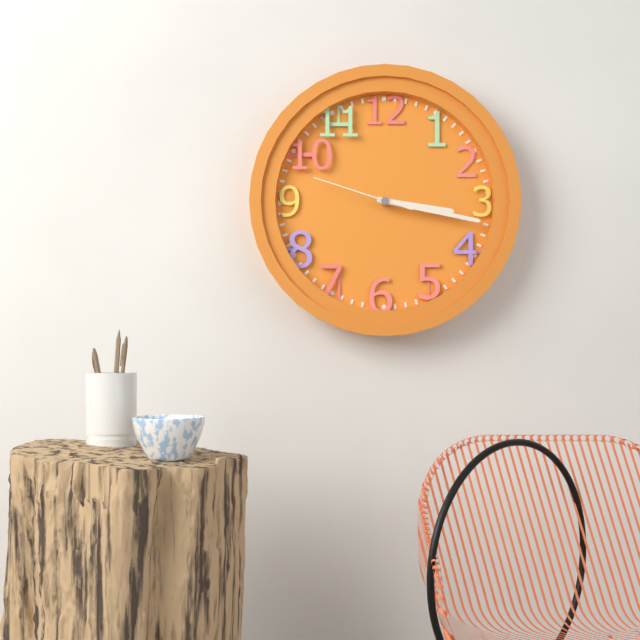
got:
3:17:48
